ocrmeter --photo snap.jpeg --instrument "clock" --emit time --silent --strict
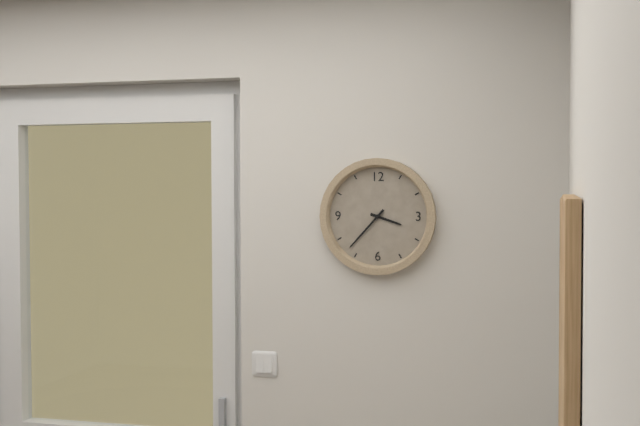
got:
3:37
